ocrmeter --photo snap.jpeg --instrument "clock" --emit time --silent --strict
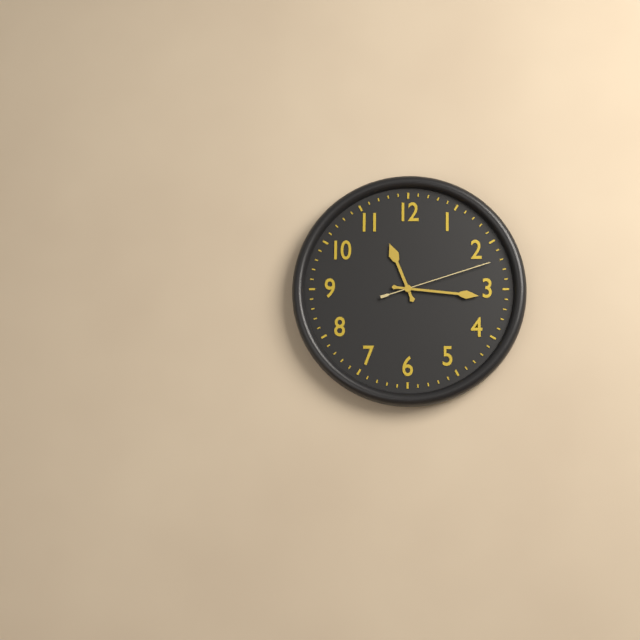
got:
11:16:12
